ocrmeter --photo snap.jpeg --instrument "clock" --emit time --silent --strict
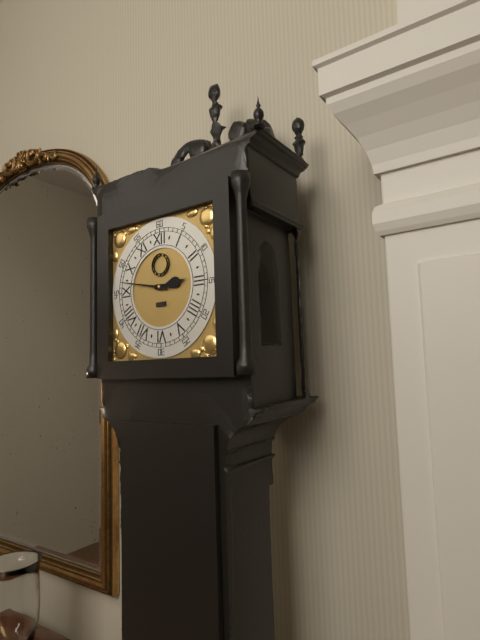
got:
2:47
